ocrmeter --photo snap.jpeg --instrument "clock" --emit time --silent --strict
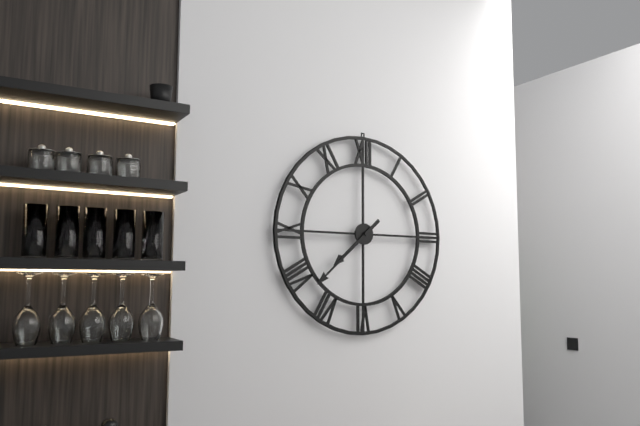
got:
7:38
